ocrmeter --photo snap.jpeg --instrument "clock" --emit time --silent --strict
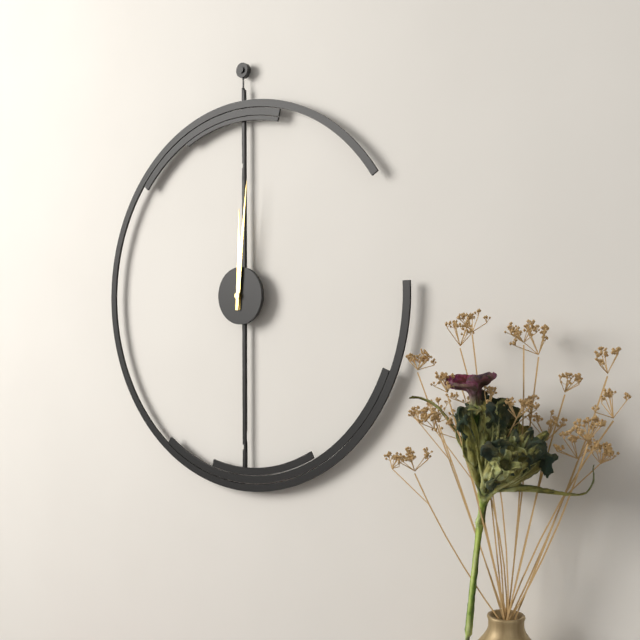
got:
12:01
